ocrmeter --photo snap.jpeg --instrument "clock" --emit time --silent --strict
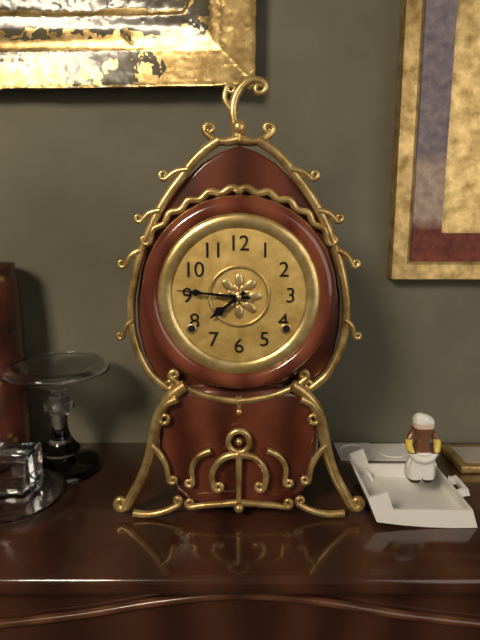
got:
7:46
